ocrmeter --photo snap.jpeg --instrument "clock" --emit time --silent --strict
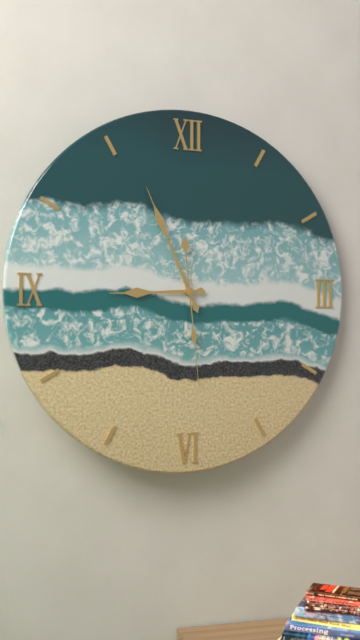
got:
8:56:29
